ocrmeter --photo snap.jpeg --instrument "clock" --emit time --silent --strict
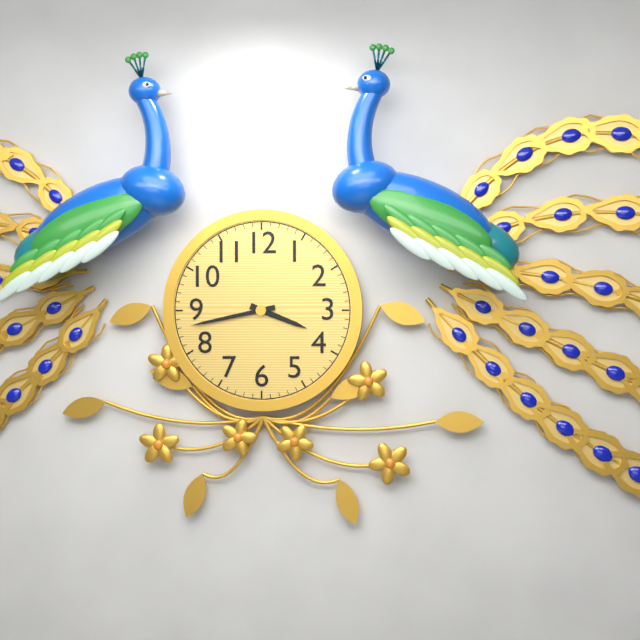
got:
3:43
